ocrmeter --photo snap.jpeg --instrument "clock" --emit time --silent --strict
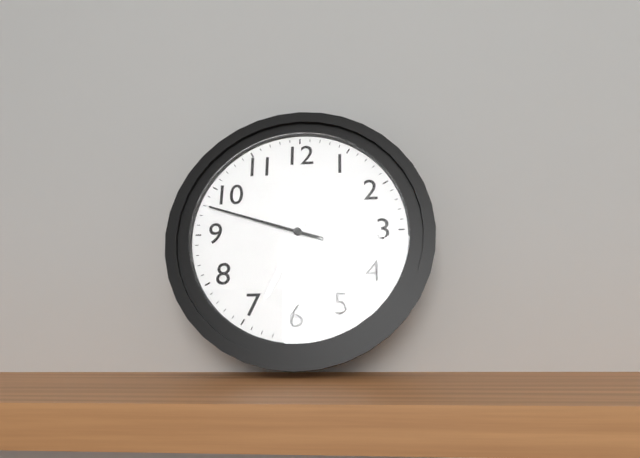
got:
6:48
